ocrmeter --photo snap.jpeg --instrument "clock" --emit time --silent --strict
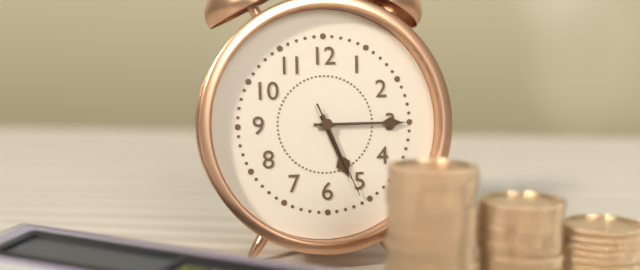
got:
5:15:26
